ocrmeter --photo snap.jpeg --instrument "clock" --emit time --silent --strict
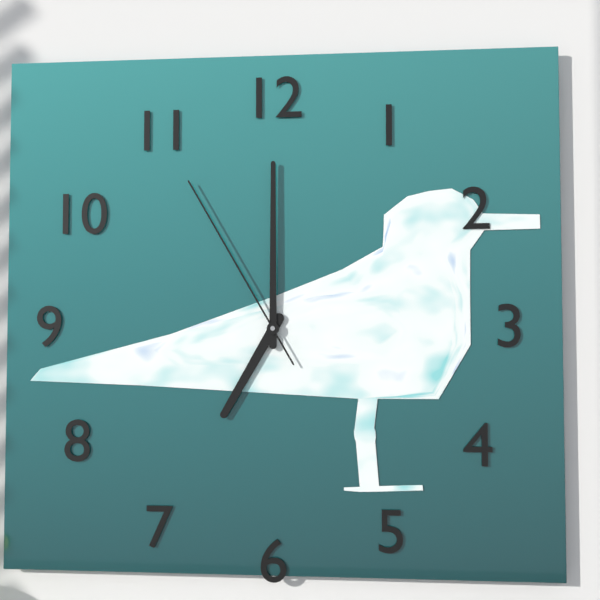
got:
7:00:55
